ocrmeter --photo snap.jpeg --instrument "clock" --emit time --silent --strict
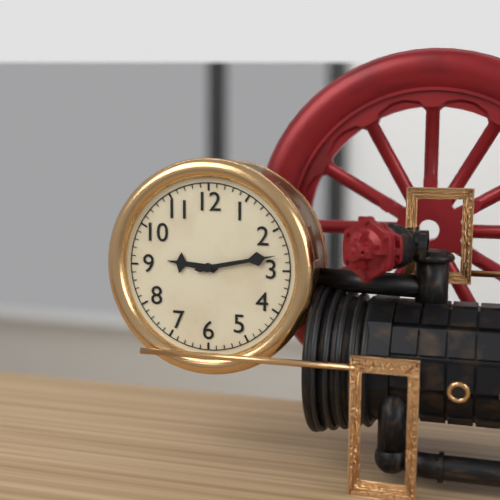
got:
9:13
